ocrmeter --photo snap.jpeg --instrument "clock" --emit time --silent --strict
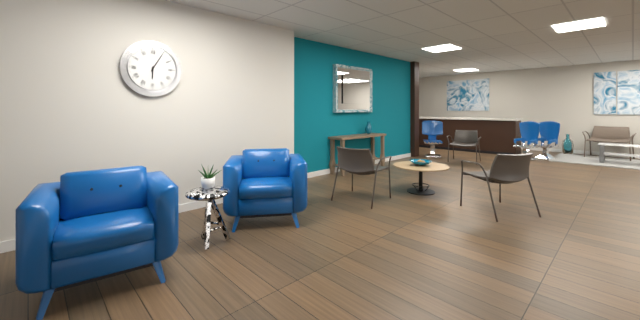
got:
6:05
